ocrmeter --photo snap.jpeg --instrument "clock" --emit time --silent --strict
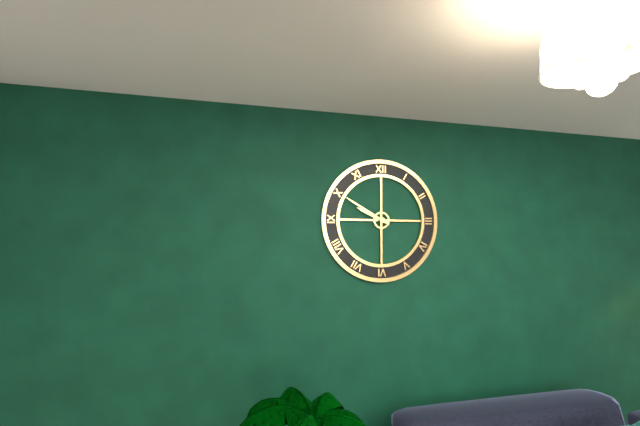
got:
9:50
